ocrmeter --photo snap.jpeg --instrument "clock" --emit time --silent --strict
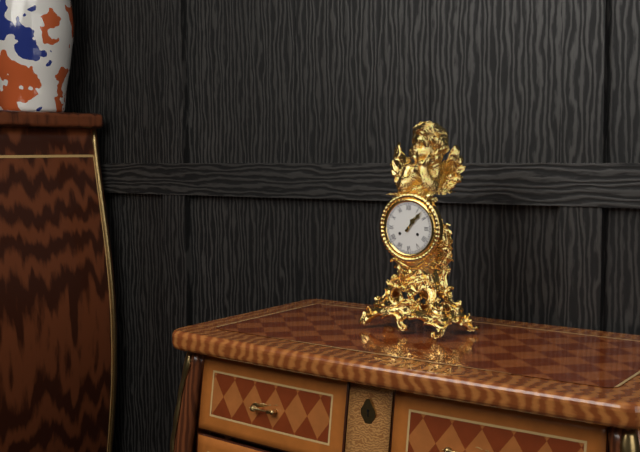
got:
1:07
